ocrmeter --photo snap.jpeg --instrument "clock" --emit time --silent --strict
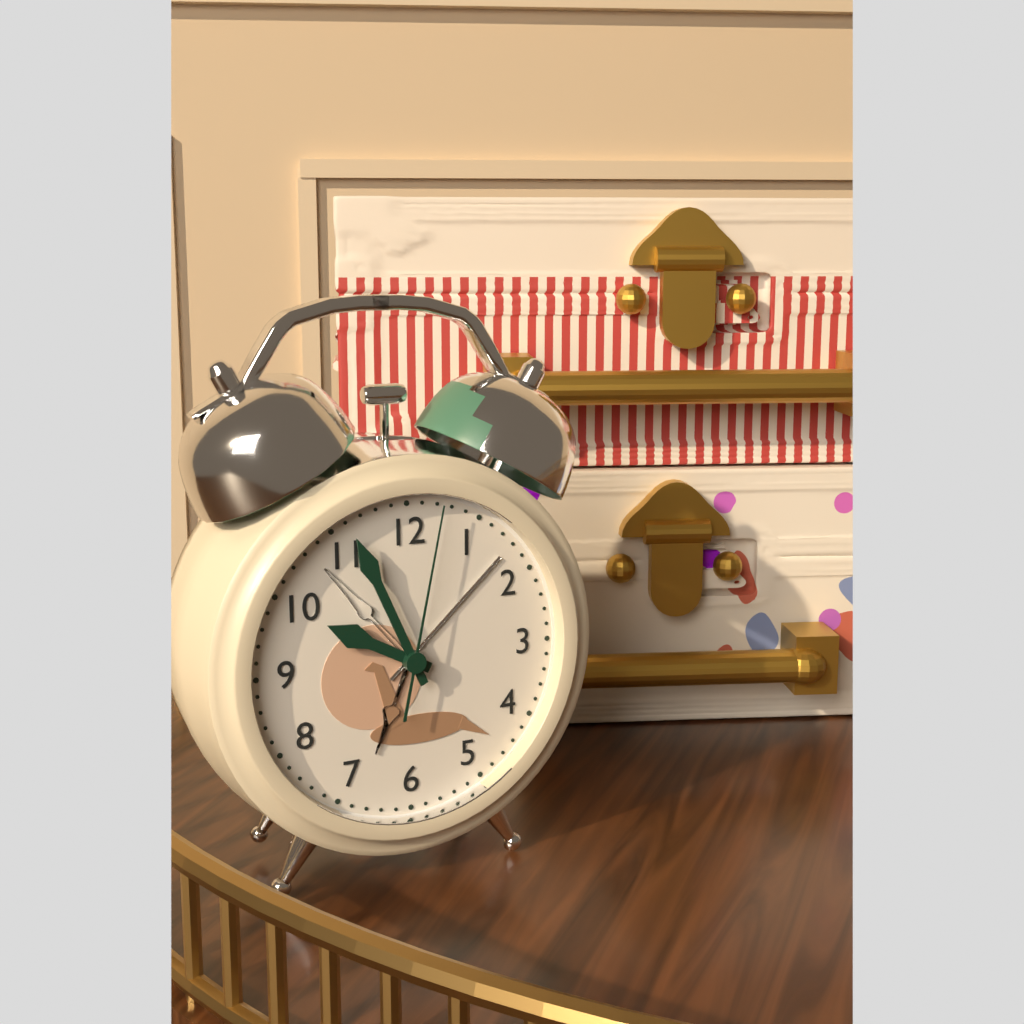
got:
9:56:02
